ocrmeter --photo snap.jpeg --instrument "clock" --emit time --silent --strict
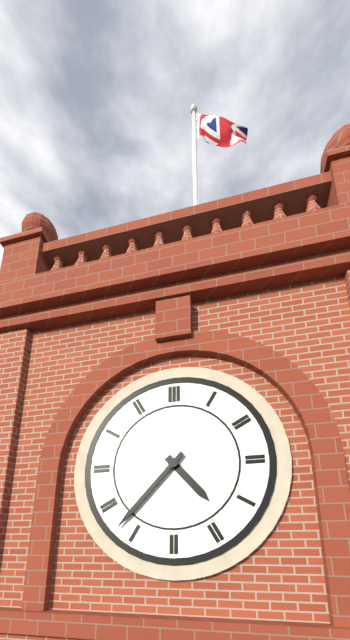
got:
4:37
